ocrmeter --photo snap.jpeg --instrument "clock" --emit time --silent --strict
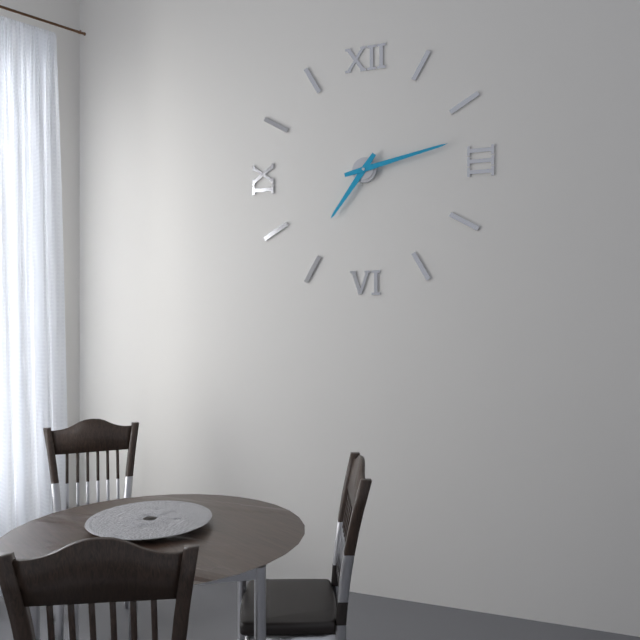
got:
7:13
